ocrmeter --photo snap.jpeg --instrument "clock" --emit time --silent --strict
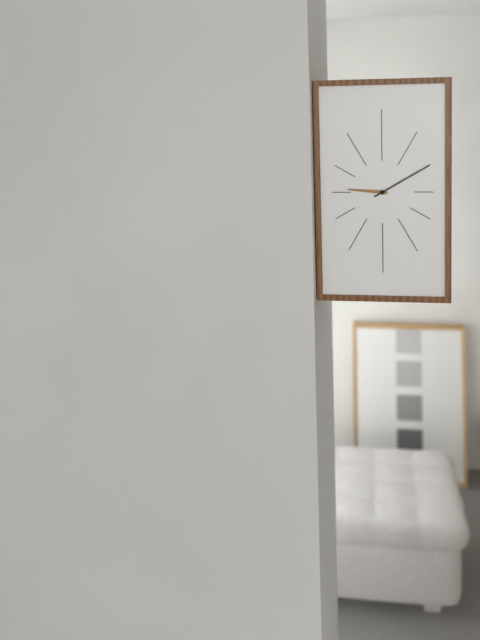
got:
9:10
